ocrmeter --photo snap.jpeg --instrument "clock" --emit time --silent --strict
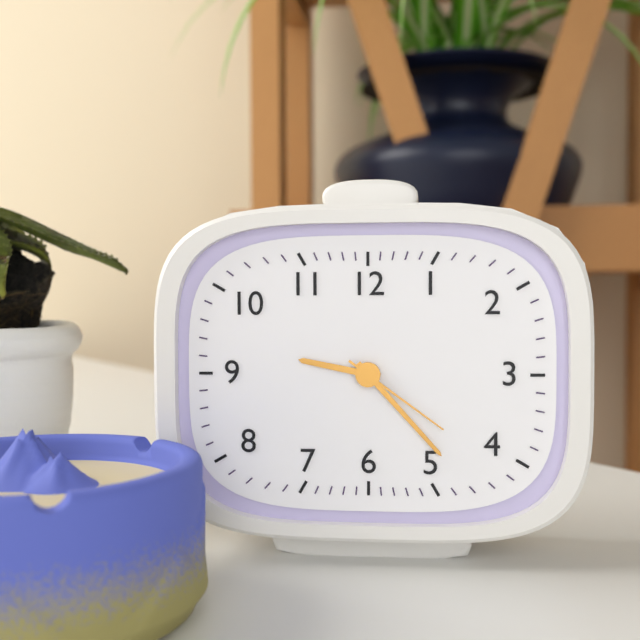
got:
9:23:21
